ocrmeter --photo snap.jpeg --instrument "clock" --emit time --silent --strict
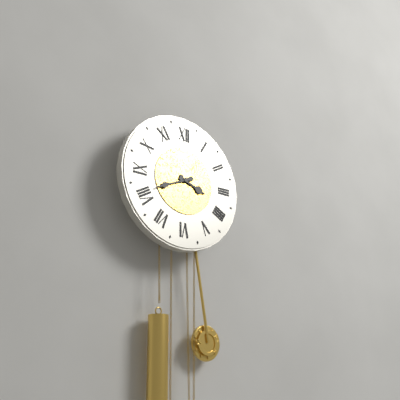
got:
3:41
